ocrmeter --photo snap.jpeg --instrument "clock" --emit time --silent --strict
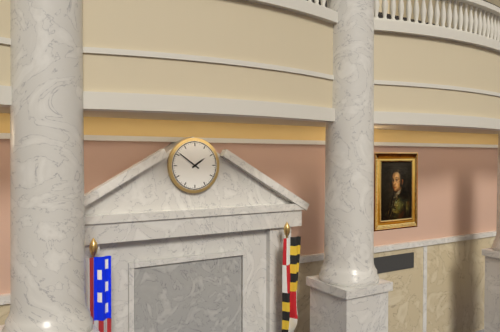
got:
1:51
